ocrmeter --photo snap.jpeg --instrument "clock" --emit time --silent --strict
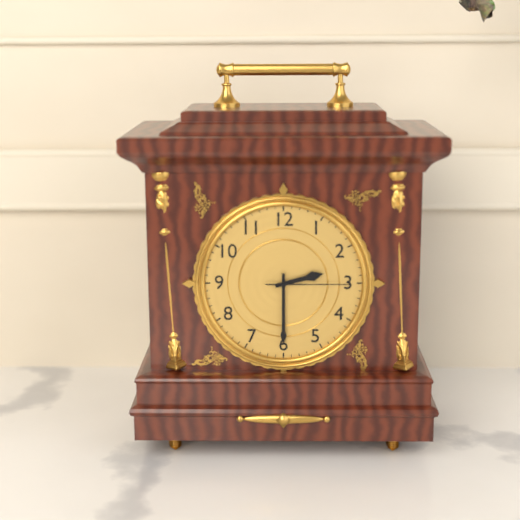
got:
2:30:15
